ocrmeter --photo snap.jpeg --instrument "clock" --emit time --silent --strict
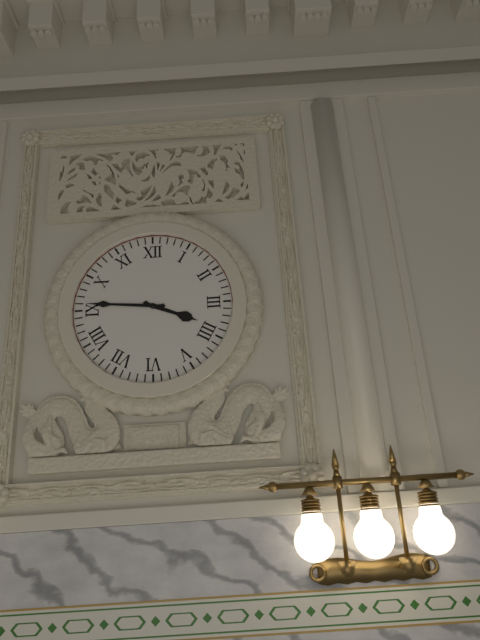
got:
3:46
